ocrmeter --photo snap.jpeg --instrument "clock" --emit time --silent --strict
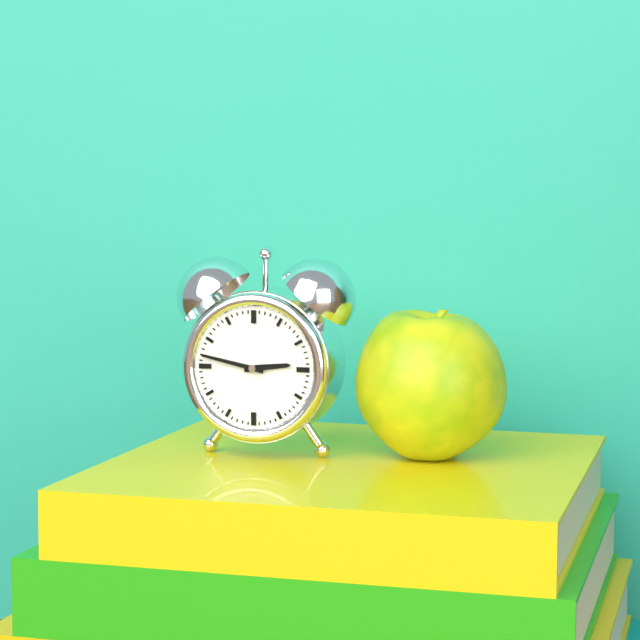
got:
2:47
